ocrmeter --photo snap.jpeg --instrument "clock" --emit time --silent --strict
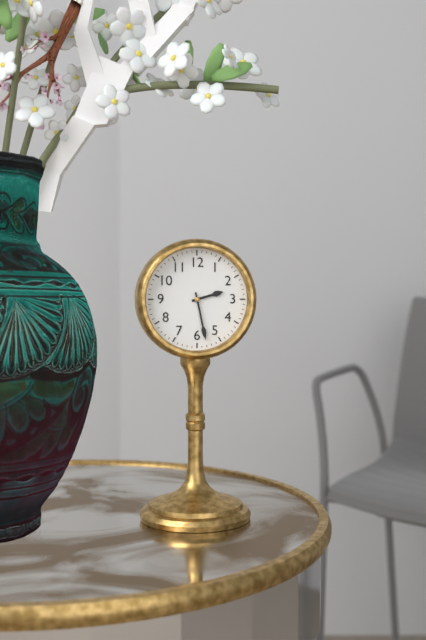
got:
2:28
